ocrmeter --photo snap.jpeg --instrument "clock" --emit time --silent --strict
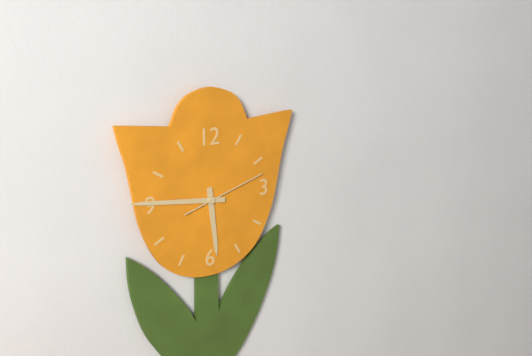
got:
5:46:12
